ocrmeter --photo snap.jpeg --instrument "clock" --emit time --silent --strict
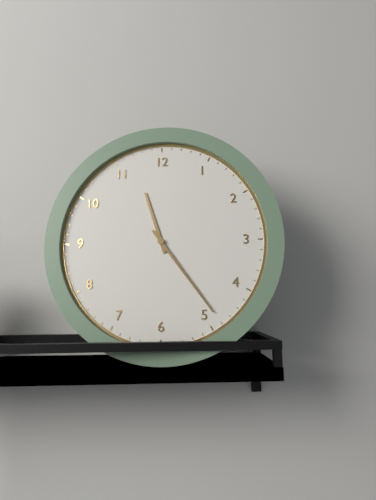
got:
11:24
